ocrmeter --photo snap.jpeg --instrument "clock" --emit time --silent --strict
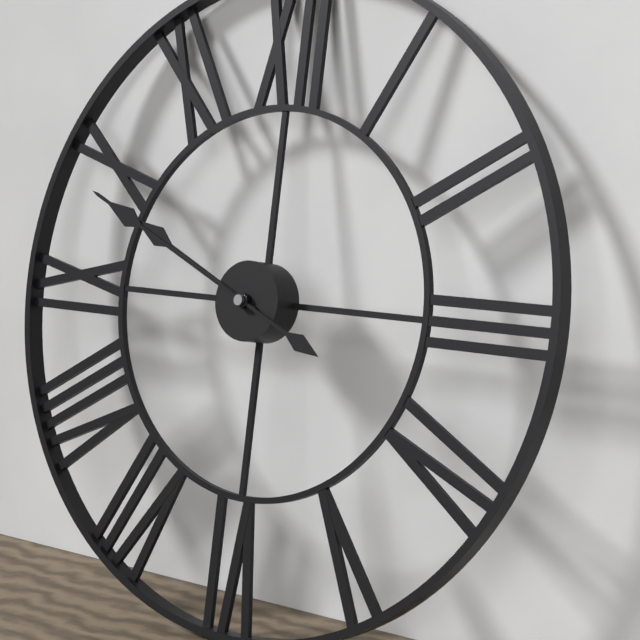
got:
9:49
